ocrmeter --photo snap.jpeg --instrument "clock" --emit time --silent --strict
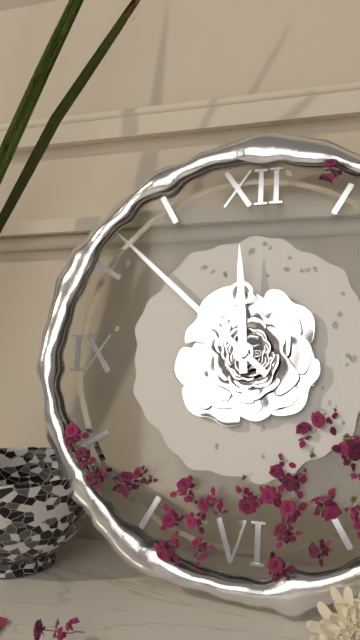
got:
11:52
